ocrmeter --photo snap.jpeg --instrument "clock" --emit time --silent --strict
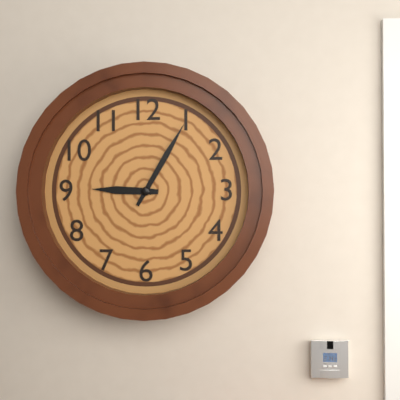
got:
9:05
